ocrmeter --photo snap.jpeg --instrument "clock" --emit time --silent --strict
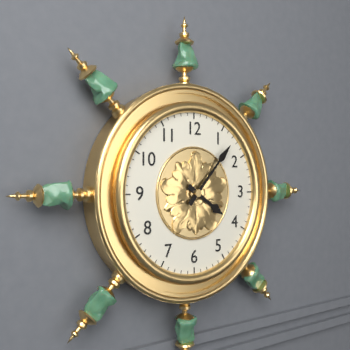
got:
4:07
